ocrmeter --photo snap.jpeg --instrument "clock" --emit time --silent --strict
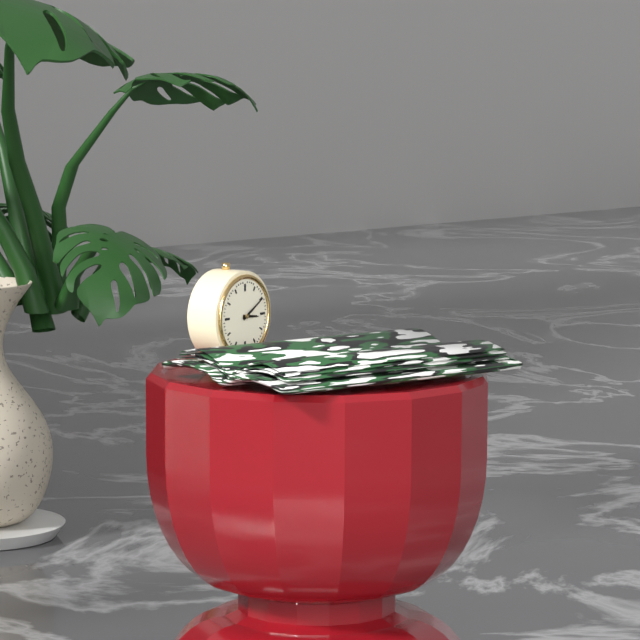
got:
3:10
